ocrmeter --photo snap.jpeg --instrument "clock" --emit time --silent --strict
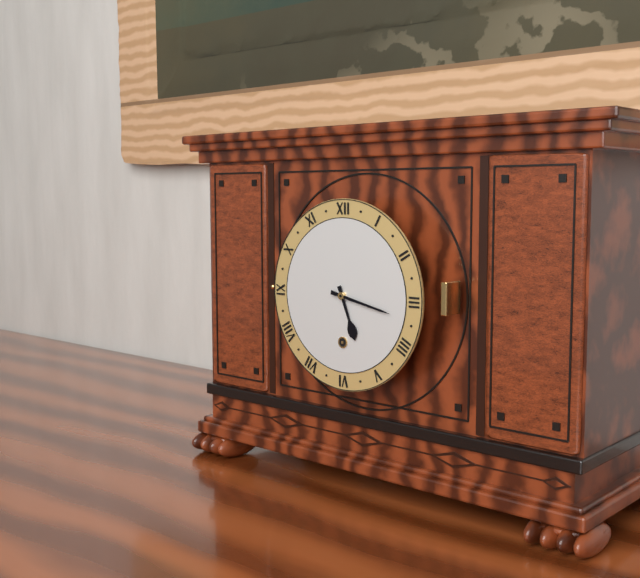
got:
5:17
